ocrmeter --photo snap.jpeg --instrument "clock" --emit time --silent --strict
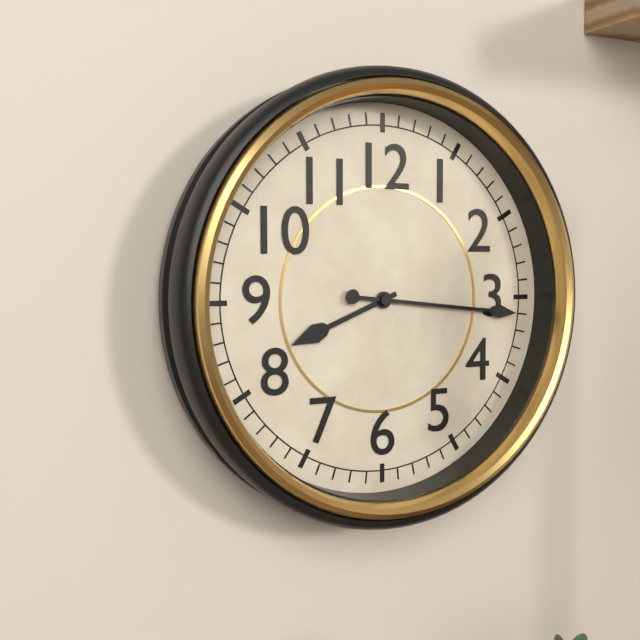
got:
8:16
